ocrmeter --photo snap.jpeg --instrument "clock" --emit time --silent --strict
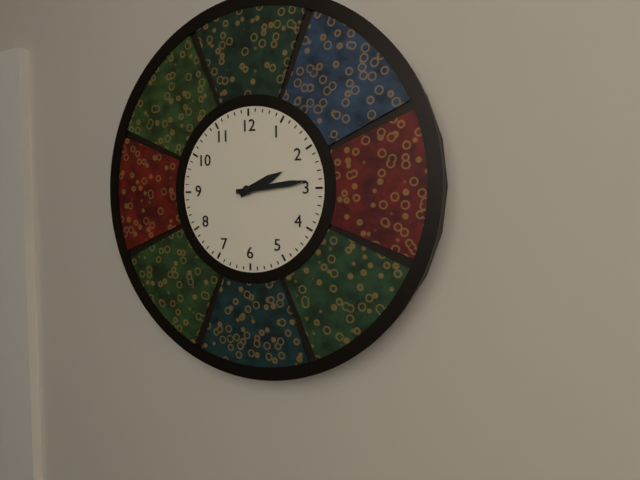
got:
2:14
